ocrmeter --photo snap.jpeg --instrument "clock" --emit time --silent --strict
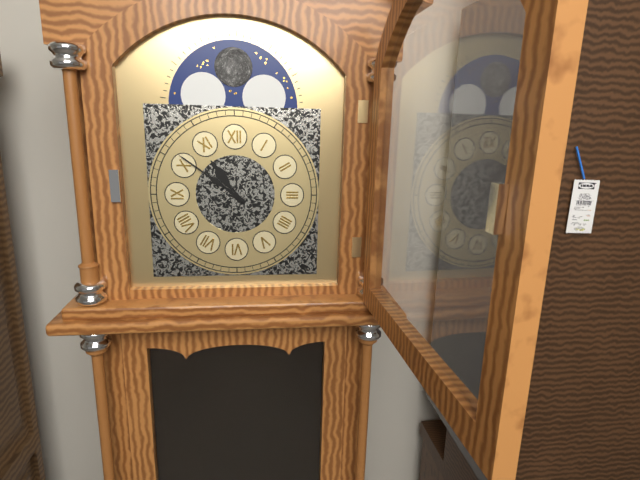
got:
10:51
